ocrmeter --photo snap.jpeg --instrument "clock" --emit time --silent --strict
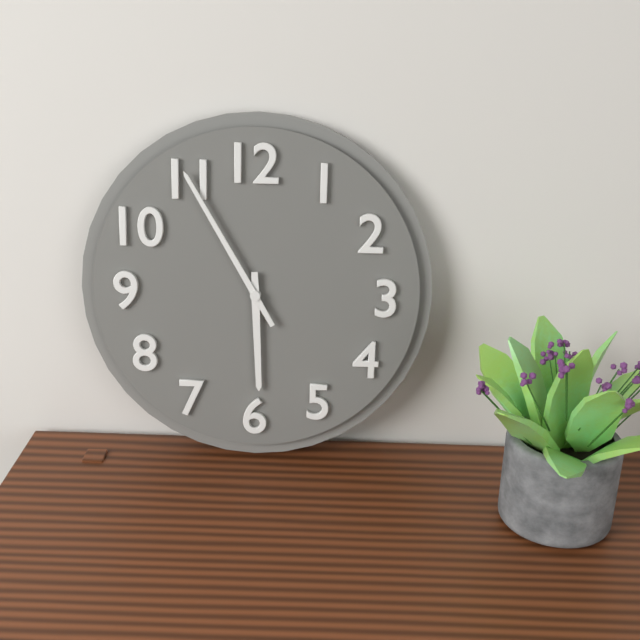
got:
5:55
